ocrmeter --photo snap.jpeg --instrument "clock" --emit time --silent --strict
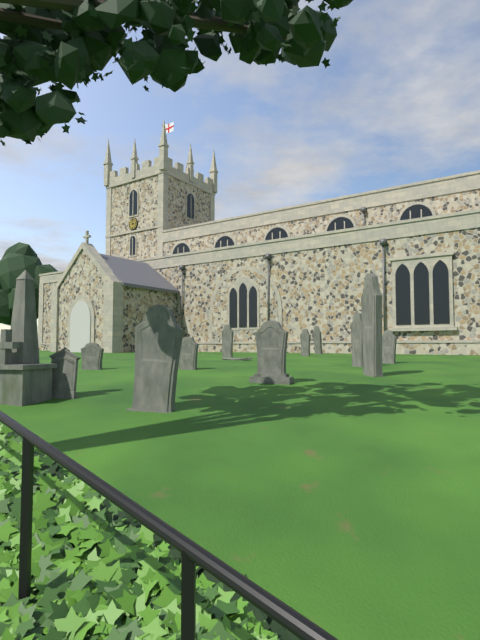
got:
3:01
